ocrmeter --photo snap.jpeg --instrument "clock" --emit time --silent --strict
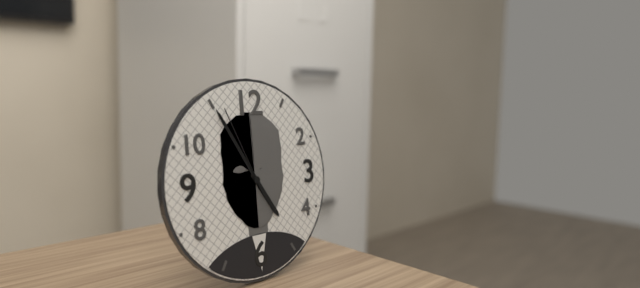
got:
4:55:56
